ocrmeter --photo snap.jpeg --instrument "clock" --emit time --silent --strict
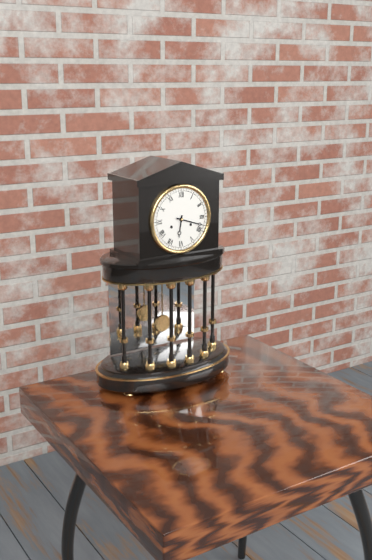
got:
6:18
